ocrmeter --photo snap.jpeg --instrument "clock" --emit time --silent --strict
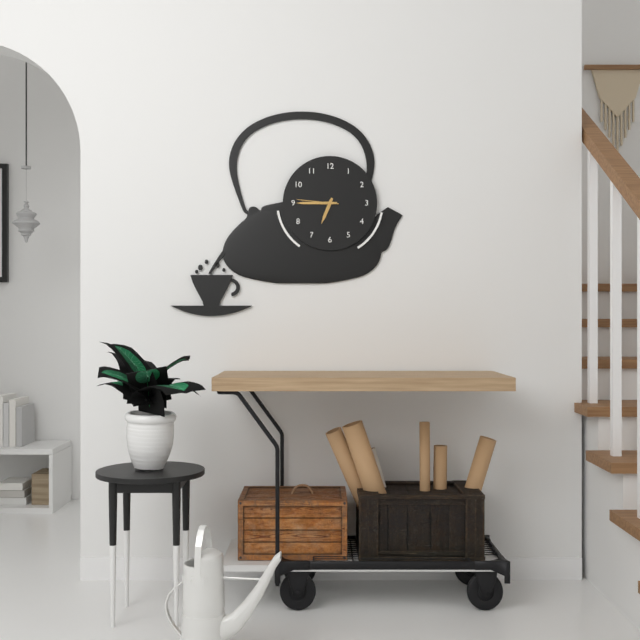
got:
6:45
